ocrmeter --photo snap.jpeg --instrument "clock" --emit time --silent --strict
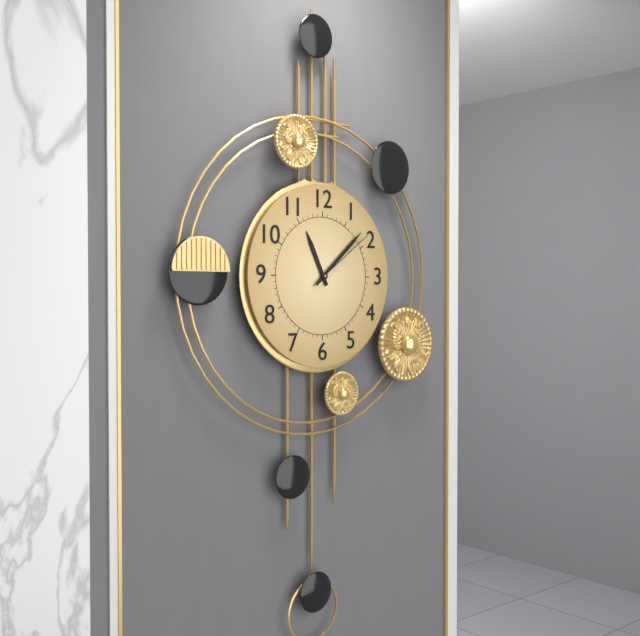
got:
11:08:09
